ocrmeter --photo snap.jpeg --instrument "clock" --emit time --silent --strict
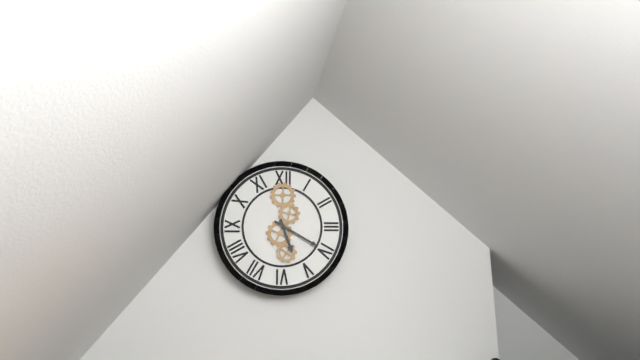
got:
5:20
